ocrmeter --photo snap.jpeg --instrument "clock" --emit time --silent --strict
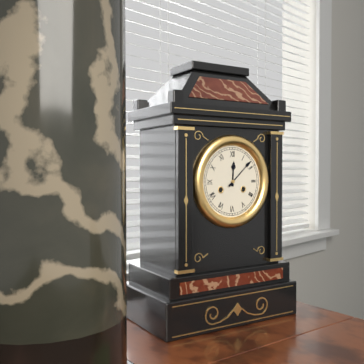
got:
12:08
